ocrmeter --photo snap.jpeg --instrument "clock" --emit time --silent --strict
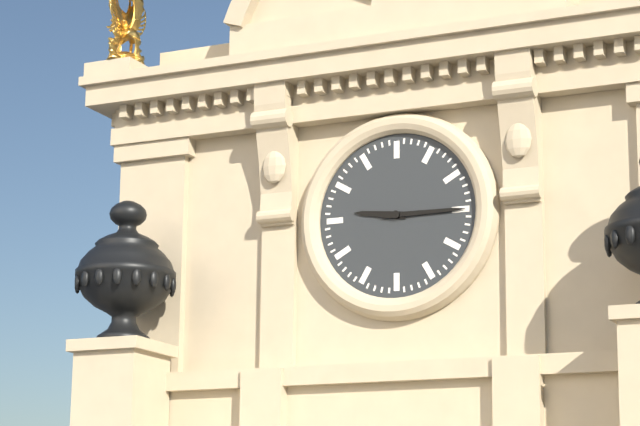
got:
9:15
